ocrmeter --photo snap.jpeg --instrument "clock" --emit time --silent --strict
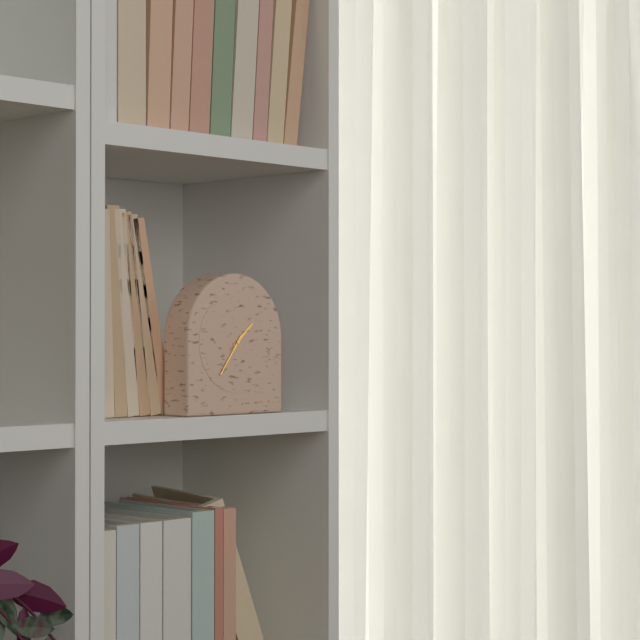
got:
1:36
